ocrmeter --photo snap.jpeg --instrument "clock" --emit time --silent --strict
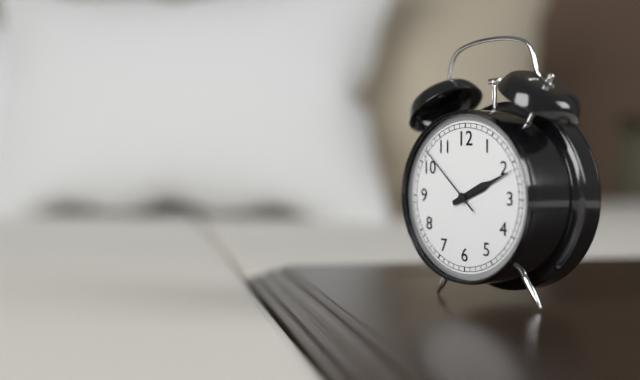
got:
2:11:52
